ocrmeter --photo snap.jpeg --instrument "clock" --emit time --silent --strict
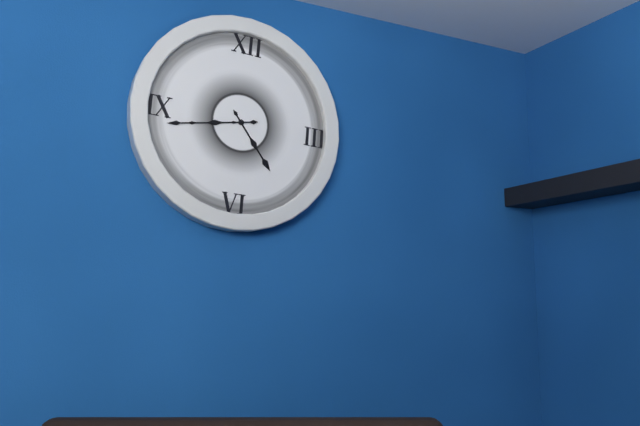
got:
4:43
